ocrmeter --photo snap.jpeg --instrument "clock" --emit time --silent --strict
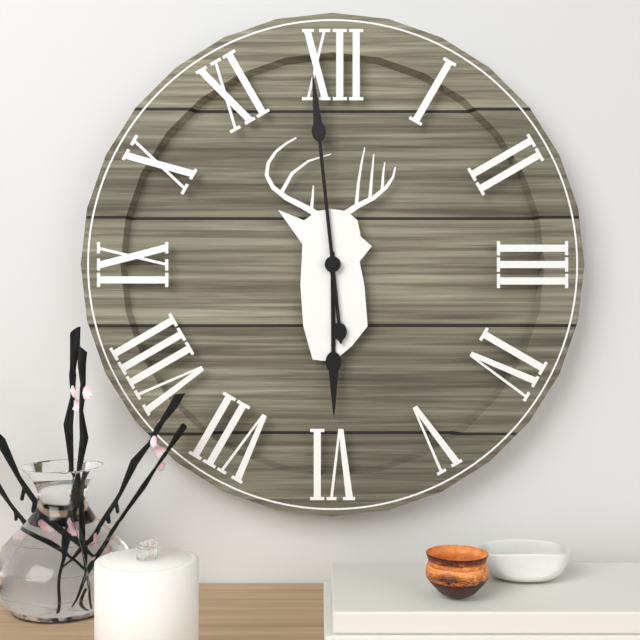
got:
5:59
